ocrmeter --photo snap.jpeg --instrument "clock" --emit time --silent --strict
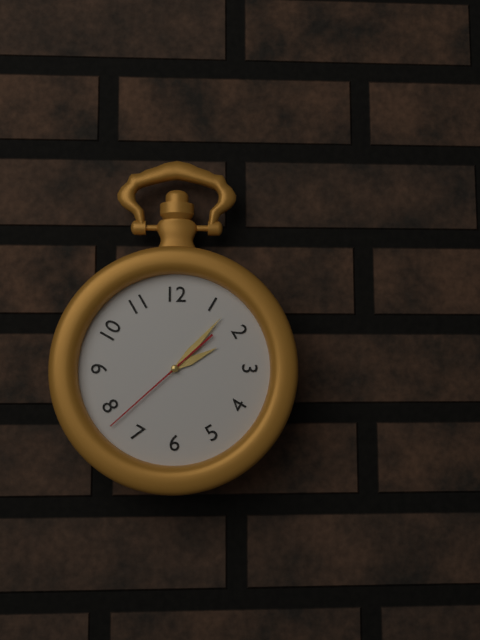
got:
2:07:38
